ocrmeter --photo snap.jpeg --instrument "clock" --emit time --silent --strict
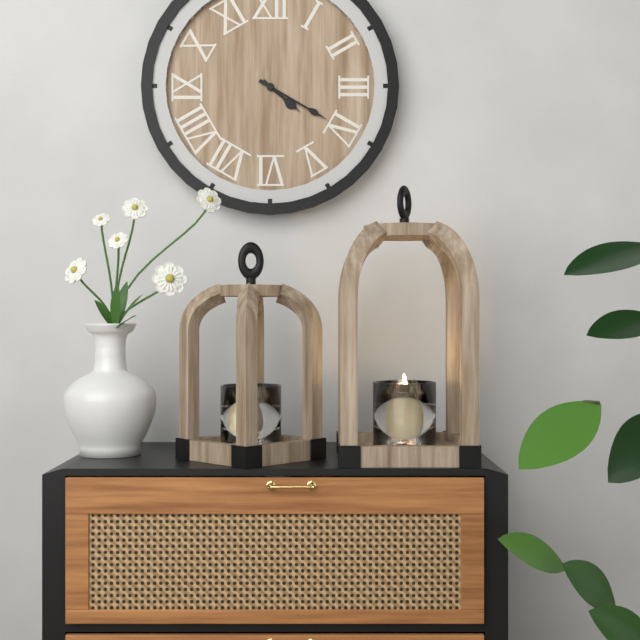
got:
4:20
